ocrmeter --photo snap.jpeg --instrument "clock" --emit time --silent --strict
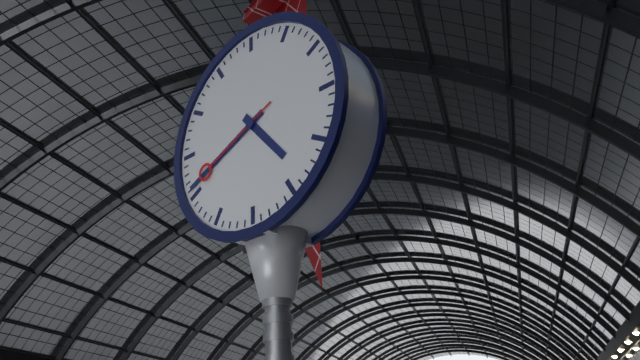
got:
4:41:41
